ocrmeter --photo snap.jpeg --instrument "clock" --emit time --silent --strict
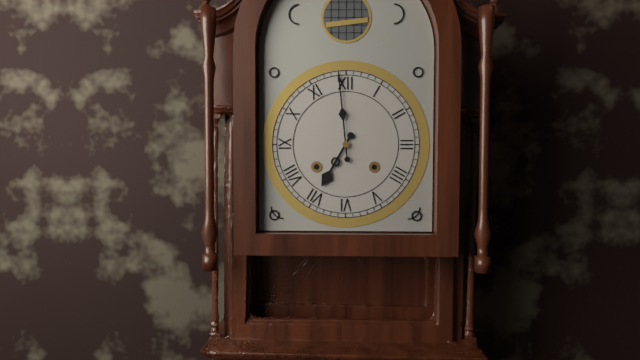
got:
6:59
